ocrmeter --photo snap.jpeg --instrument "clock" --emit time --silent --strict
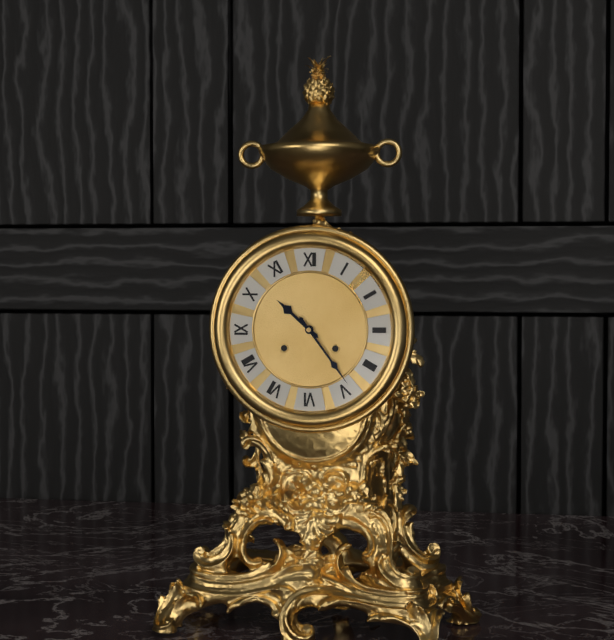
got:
10:24
